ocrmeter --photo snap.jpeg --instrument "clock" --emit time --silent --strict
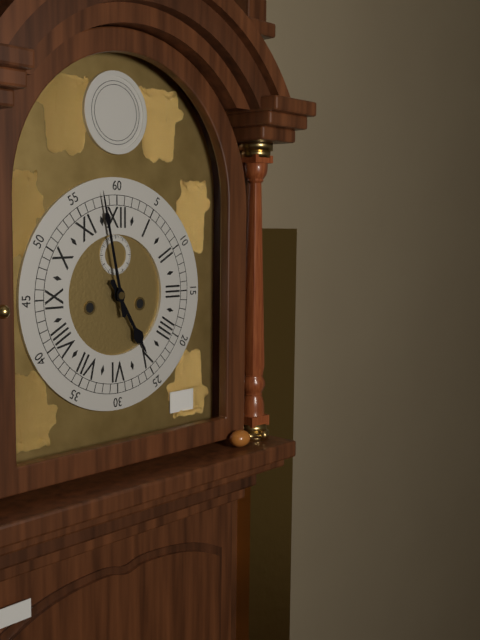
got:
4:58
